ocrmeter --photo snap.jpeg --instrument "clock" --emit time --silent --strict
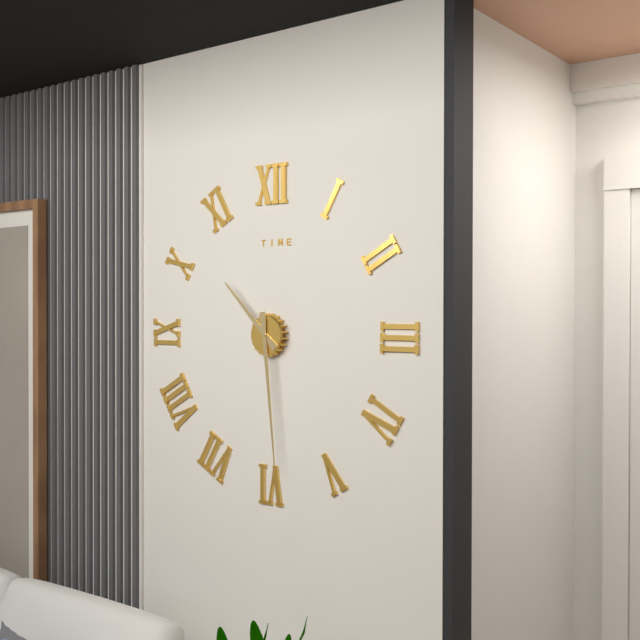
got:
10:29
